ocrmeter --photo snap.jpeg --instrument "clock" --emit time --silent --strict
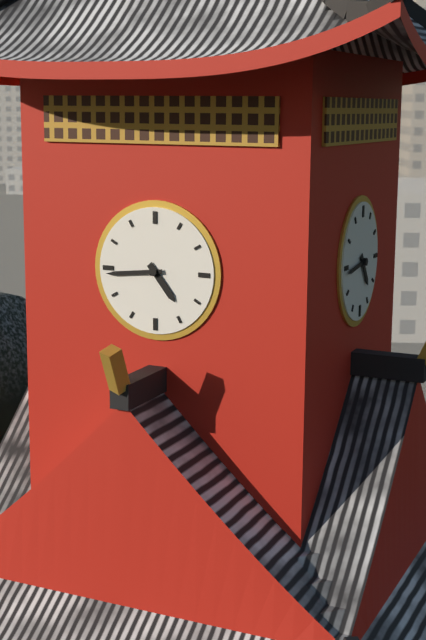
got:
4:44
